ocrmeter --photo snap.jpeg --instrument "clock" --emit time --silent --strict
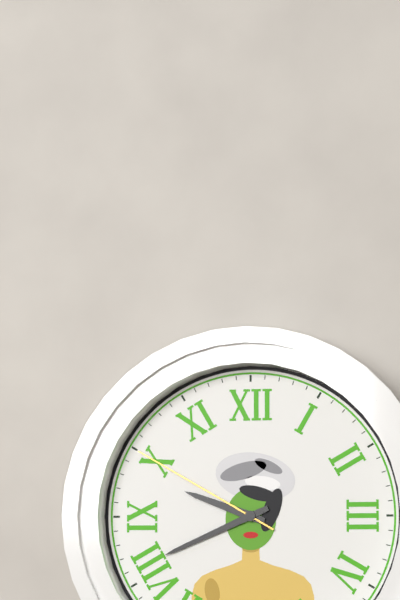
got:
9:41:50
